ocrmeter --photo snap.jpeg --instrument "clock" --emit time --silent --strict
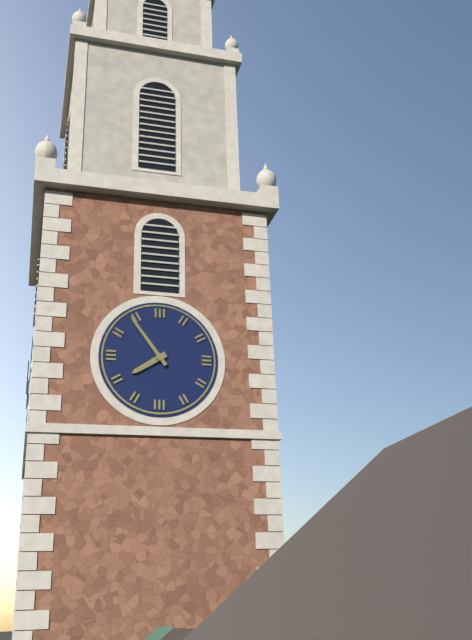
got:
7:54
